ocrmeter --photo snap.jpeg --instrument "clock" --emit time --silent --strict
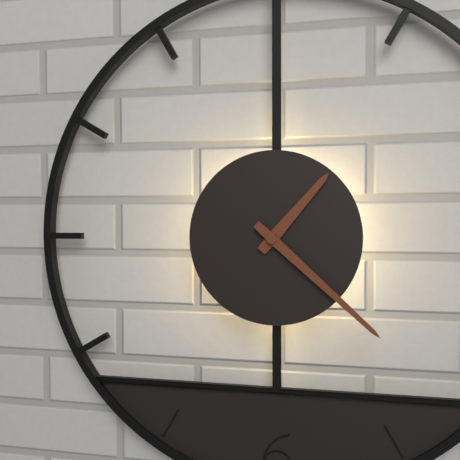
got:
1:22
